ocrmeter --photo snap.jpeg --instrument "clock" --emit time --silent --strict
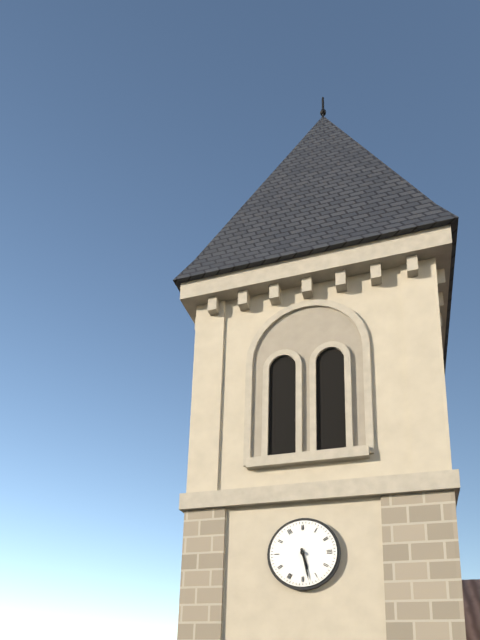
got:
5:28
